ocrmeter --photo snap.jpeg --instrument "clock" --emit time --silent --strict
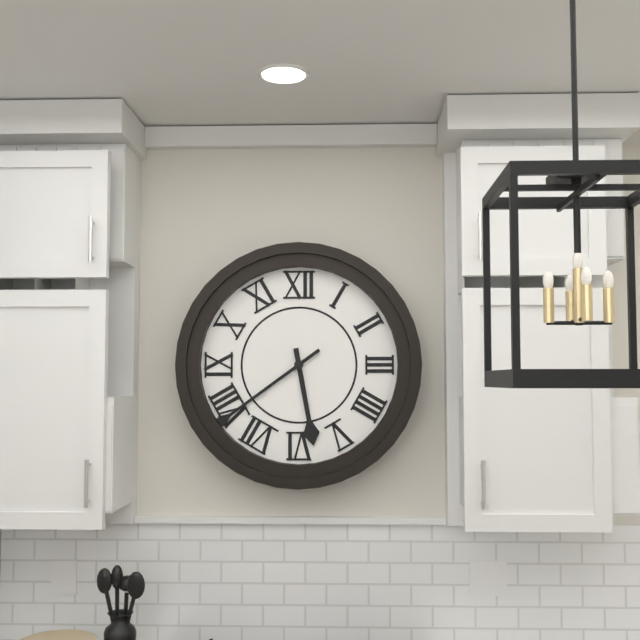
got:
5:39
